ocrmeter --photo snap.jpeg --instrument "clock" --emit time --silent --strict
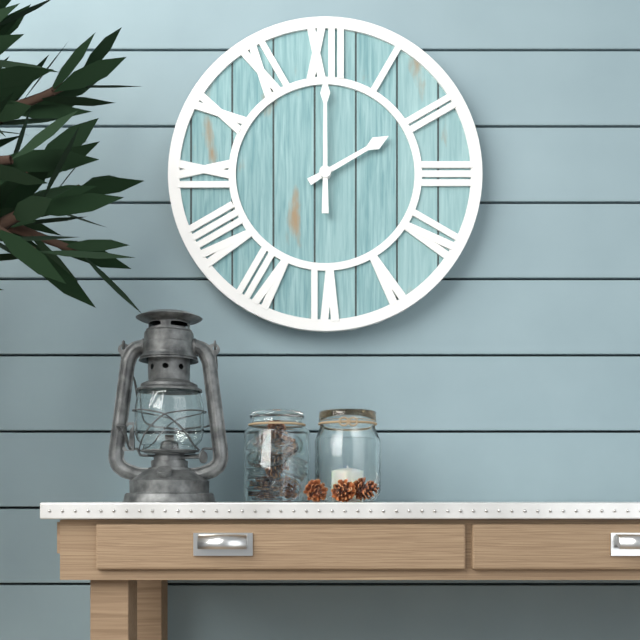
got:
2:00
